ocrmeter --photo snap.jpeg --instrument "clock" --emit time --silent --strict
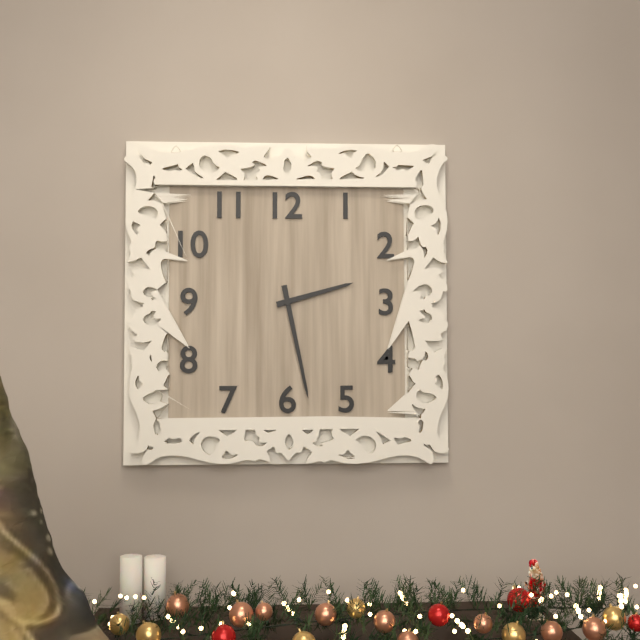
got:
2:28
